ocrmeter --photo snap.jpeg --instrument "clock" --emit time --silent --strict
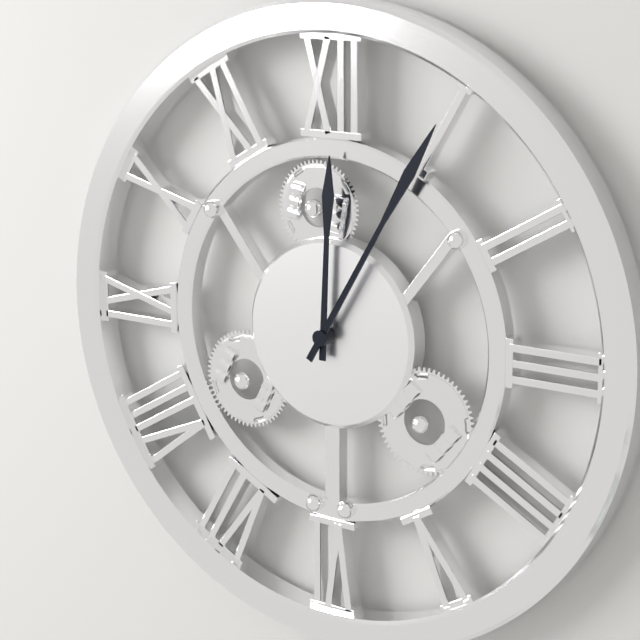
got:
12:05
